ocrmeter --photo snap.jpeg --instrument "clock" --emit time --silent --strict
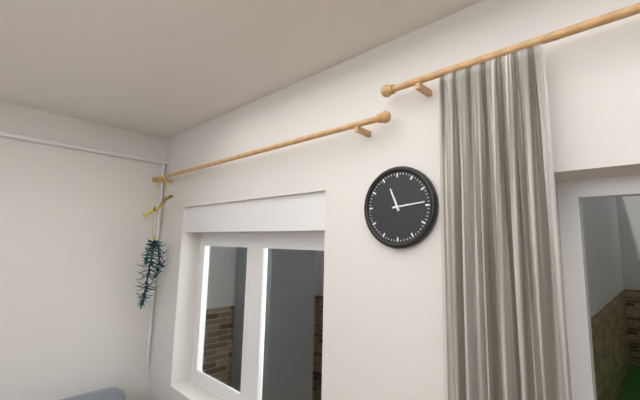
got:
11:14
